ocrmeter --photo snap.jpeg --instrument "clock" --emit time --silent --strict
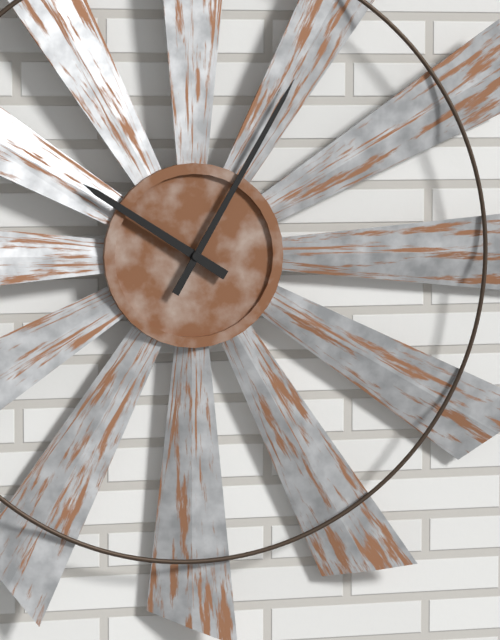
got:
10:05
